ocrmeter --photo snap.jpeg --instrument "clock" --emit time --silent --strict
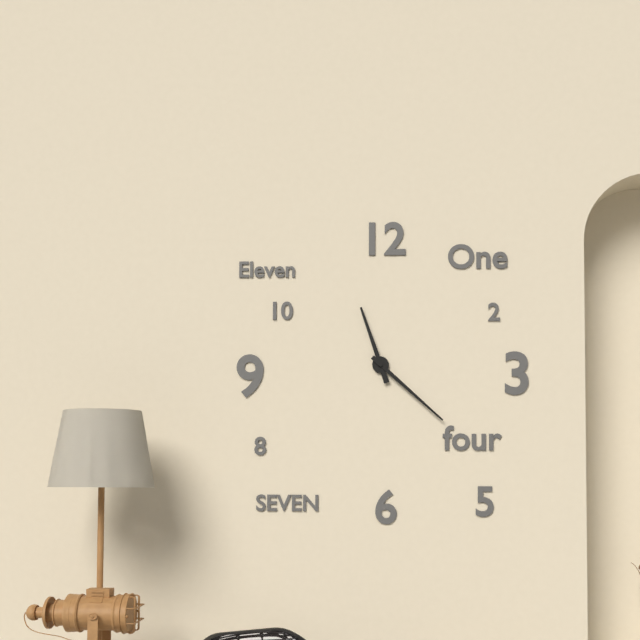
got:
11:22
